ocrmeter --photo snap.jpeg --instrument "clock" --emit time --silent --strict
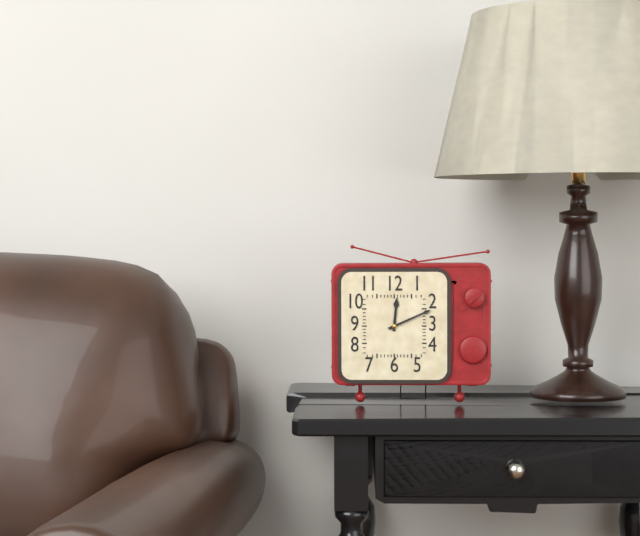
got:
12:11
